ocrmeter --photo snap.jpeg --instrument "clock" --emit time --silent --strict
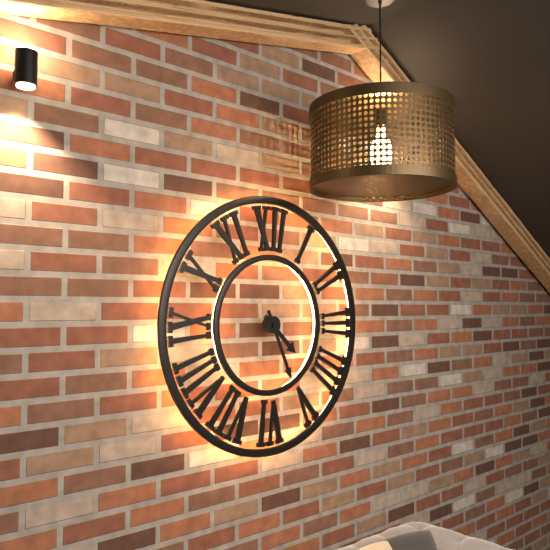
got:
4:26
